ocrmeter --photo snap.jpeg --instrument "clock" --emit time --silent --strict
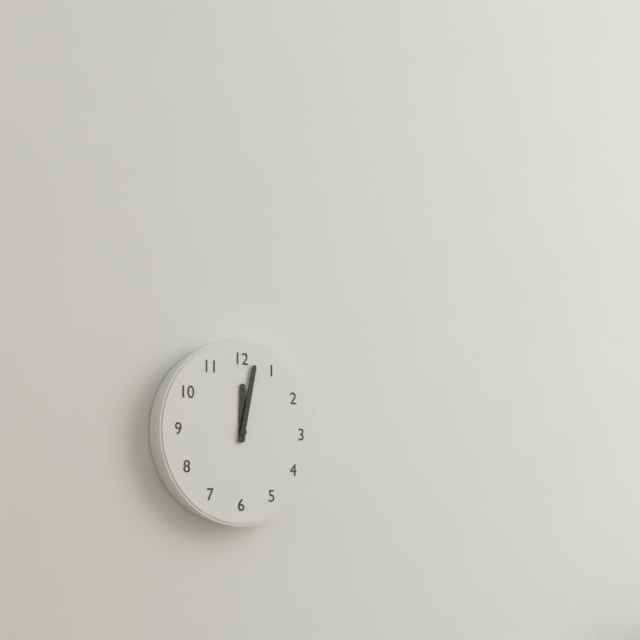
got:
12:02
